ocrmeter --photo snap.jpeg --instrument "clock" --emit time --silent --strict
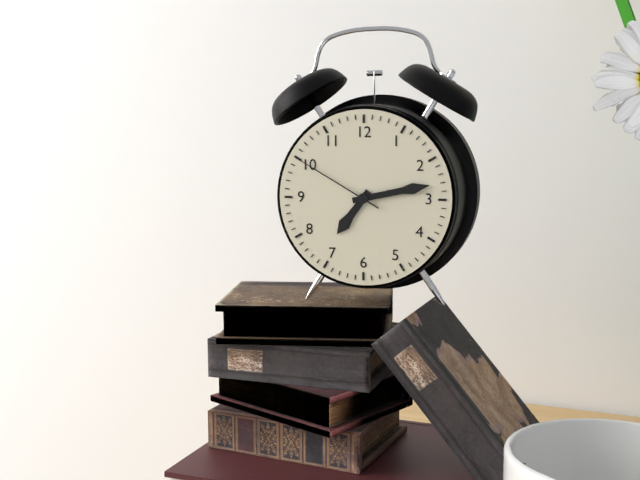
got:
7:13:50
